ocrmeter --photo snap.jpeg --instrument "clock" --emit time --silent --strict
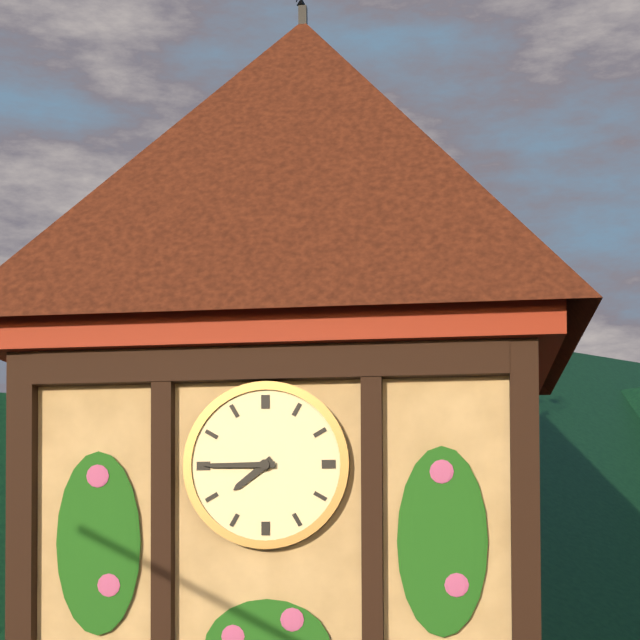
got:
7:45
